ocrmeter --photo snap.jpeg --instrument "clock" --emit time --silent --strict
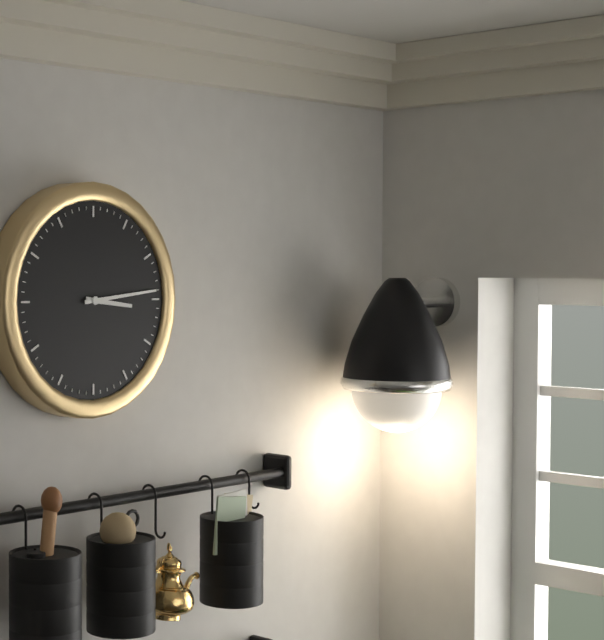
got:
3:14
